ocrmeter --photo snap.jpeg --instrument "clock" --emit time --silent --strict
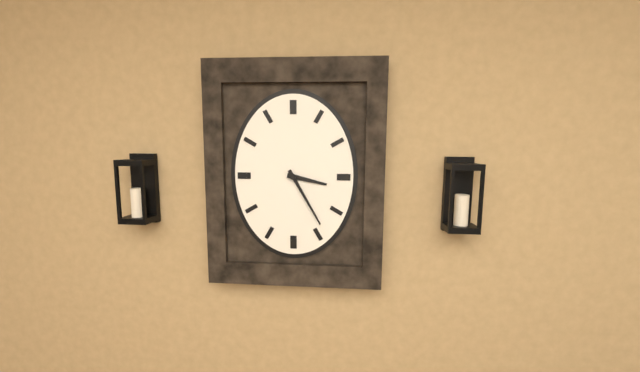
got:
3:25
